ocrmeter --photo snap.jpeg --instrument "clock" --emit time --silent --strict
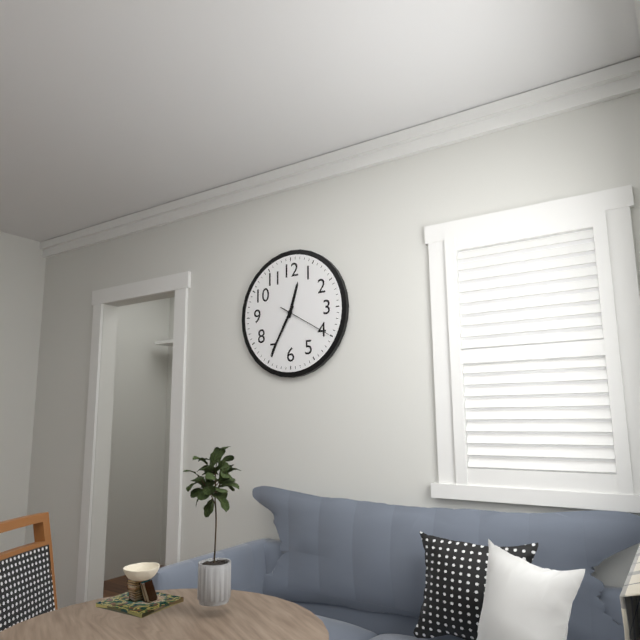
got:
12:35:20
